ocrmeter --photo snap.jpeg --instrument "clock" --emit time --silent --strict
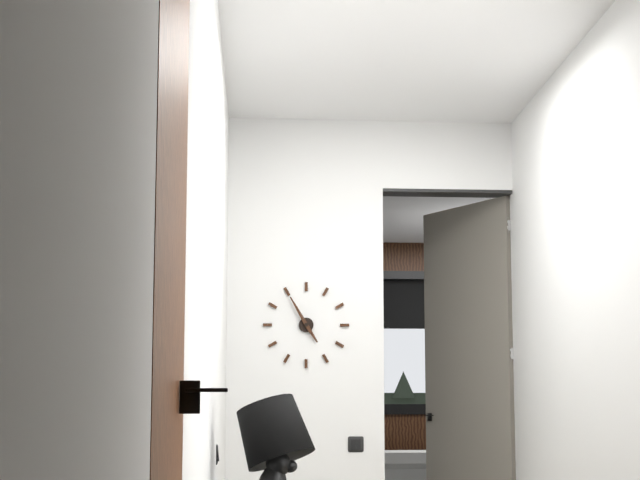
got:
4:55
